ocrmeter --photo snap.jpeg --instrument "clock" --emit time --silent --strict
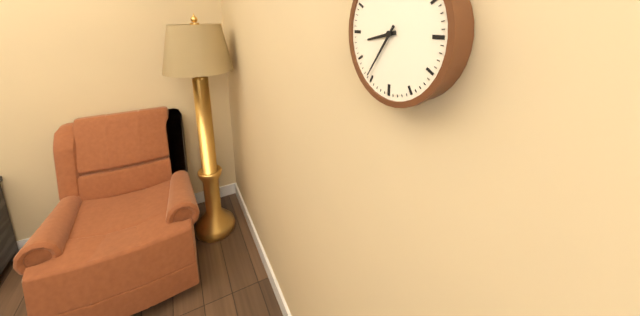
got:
8:36
